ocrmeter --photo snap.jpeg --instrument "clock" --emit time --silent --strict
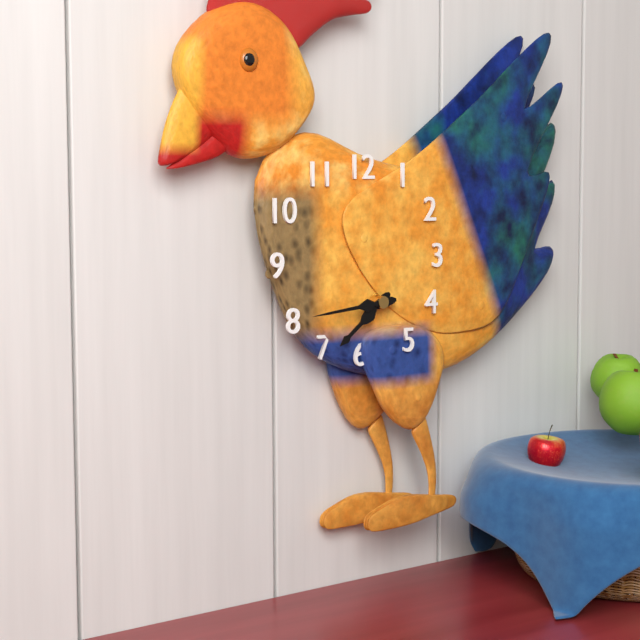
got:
7:44
